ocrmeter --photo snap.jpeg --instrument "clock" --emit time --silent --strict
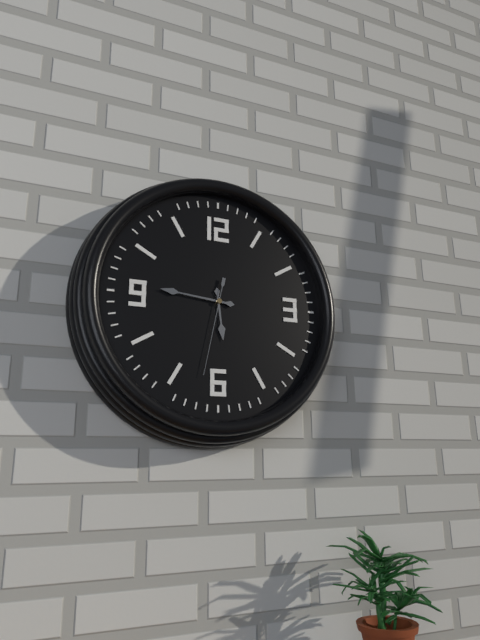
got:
5:46:32
